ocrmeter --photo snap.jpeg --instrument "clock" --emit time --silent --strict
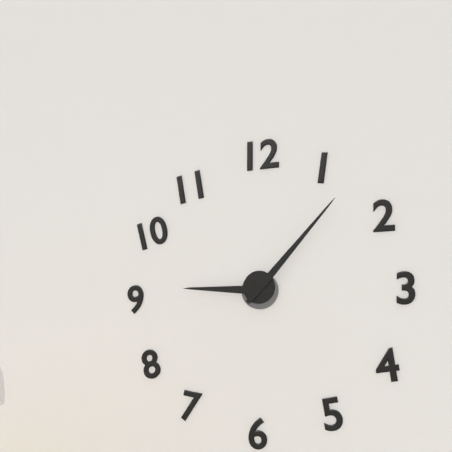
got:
9:07
